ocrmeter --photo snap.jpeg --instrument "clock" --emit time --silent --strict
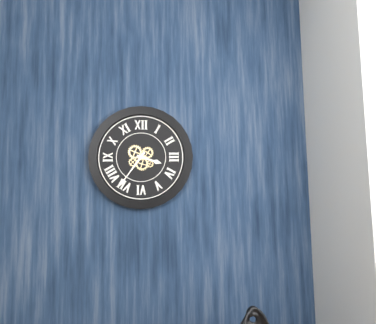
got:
3:36
